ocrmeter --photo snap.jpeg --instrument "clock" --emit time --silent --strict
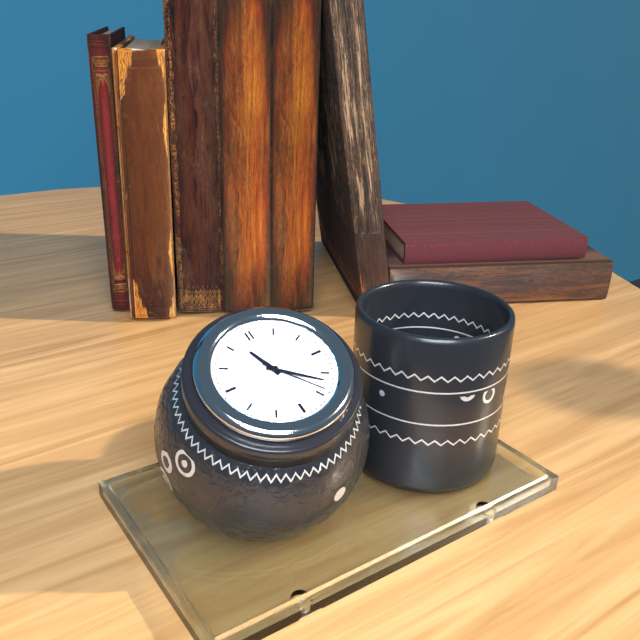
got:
11:22:24
